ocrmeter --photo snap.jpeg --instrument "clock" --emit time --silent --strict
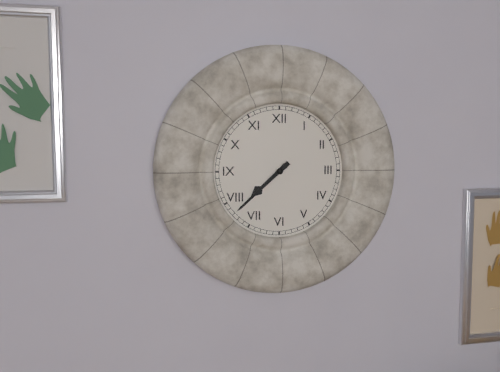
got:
7:38
